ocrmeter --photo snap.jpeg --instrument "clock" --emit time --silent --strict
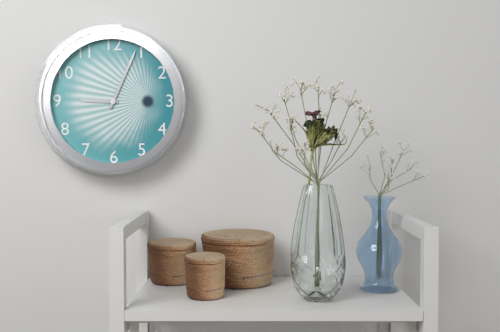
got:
9:04
